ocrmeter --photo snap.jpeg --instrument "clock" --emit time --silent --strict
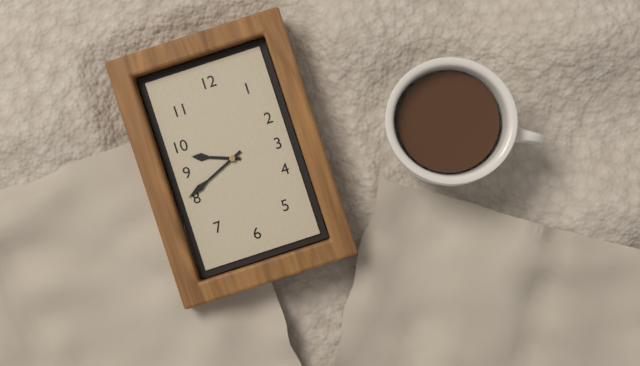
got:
9:41
